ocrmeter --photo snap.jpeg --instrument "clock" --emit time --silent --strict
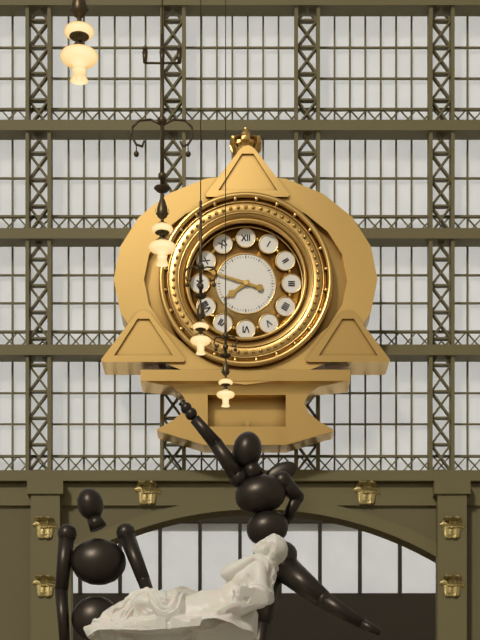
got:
7:48
